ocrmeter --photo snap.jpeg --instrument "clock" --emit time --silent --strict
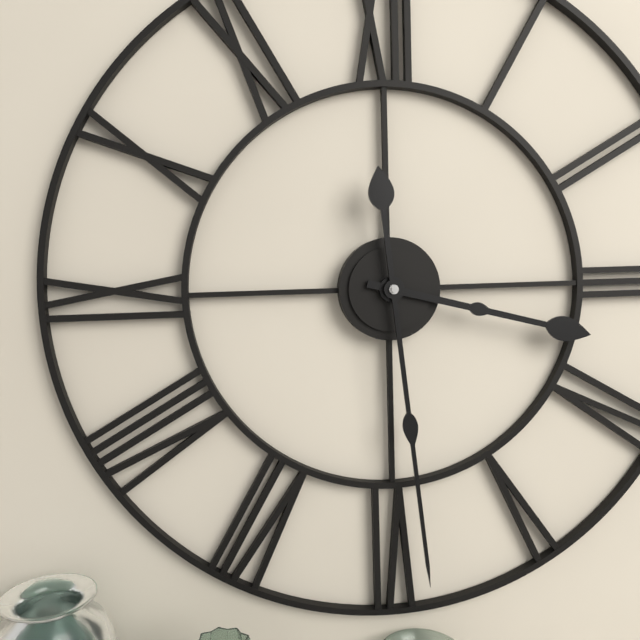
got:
3:29
